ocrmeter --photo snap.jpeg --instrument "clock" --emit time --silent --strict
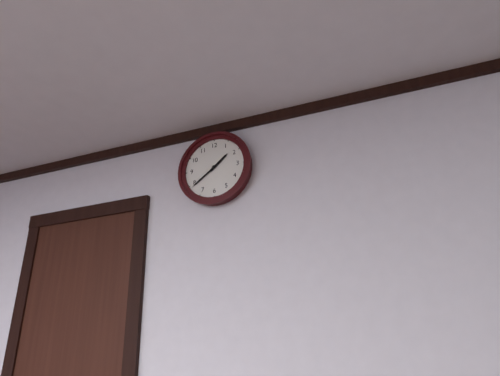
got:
1:39
